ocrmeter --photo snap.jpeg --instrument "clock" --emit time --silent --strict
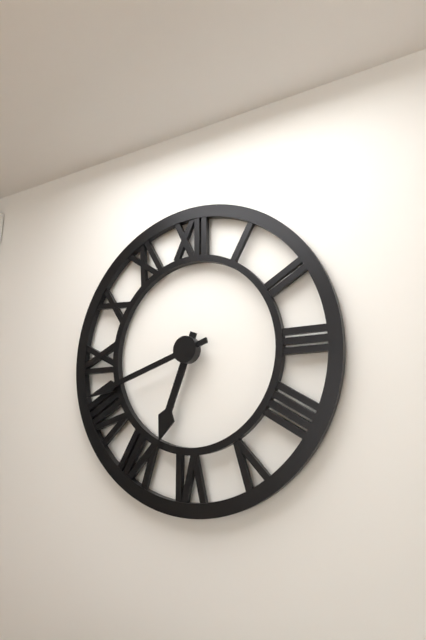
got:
6:42
